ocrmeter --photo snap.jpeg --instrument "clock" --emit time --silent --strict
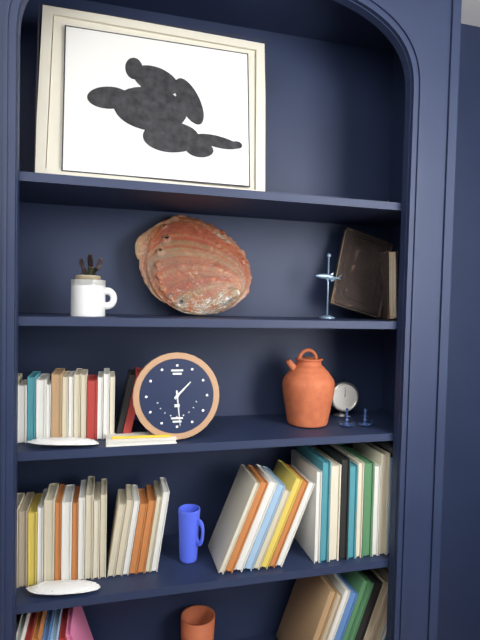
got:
1:29
